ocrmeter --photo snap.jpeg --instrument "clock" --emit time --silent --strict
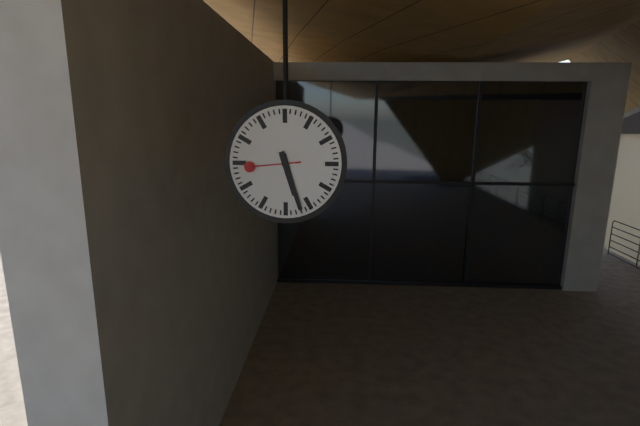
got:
5:27:44
